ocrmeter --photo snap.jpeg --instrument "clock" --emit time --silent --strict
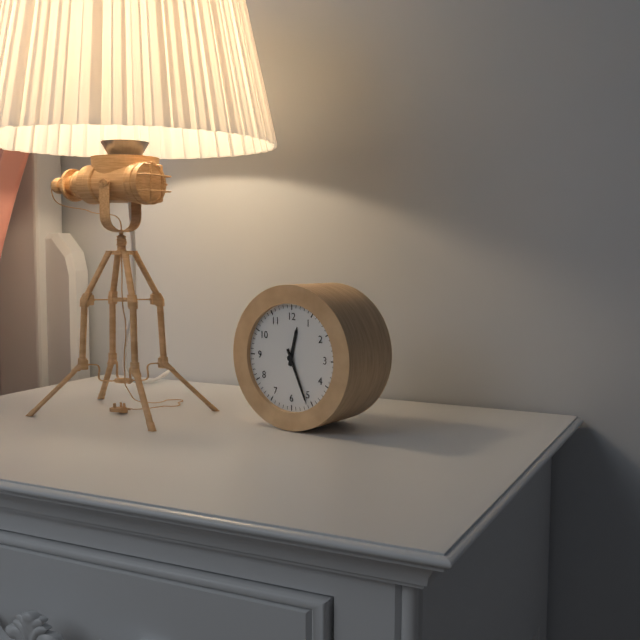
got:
12:26
